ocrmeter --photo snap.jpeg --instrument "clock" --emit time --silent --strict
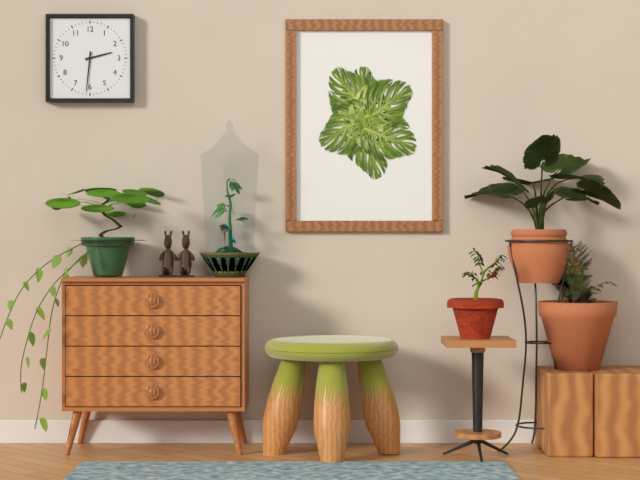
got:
2:31
